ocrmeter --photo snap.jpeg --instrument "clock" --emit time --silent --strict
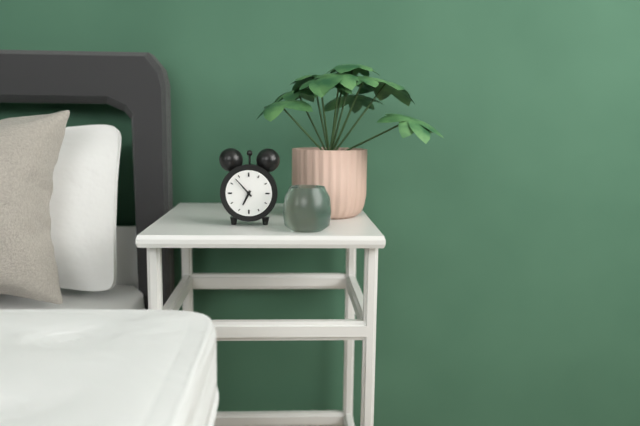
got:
6:53
